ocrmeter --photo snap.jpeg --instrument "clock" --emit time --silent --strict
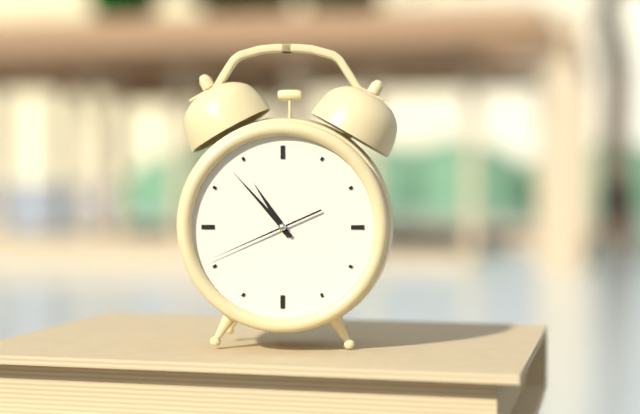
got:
10:53:41
